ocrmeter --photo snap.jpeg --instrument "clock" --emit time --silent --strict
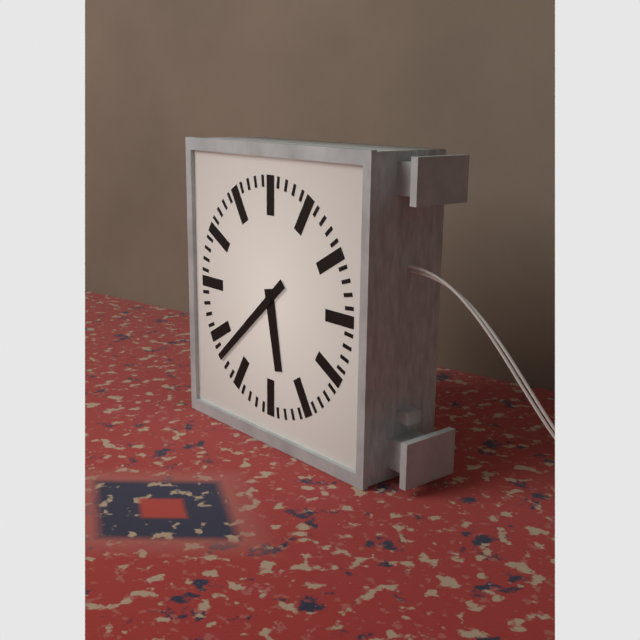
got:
5:38
